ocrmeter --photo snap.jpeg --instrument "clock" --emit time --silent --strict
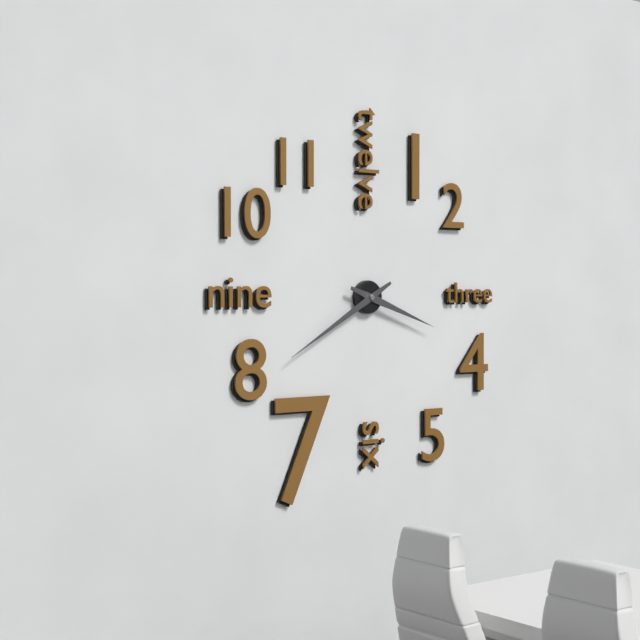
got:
3:40
